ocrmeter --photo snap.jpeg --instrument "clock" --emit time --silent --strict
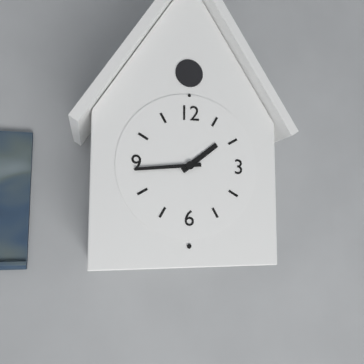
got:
1:44
